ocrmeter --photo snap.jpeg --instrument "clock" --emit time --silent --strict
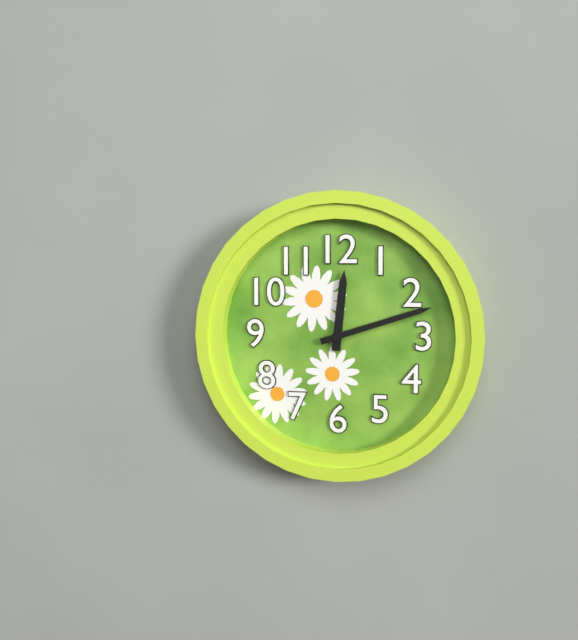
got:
12:12
